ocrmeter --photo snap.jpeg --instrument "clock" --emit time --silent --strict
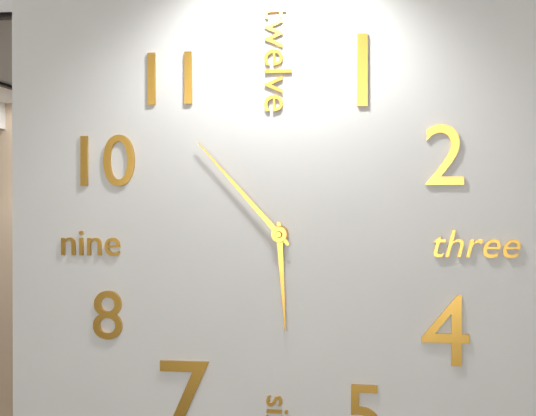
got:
5:53
